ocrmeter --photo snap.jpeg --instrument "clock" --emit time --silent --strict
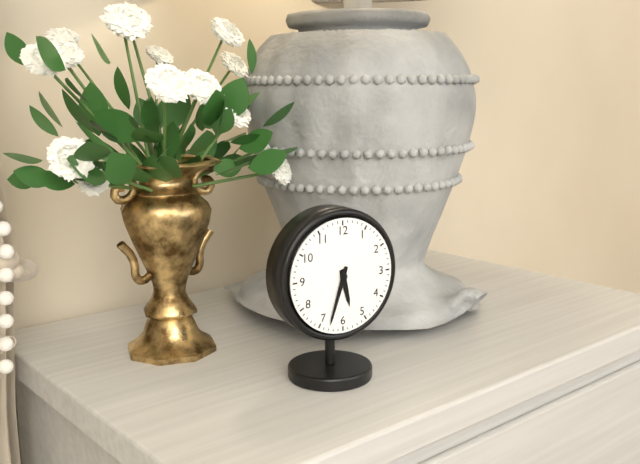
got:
5:33
